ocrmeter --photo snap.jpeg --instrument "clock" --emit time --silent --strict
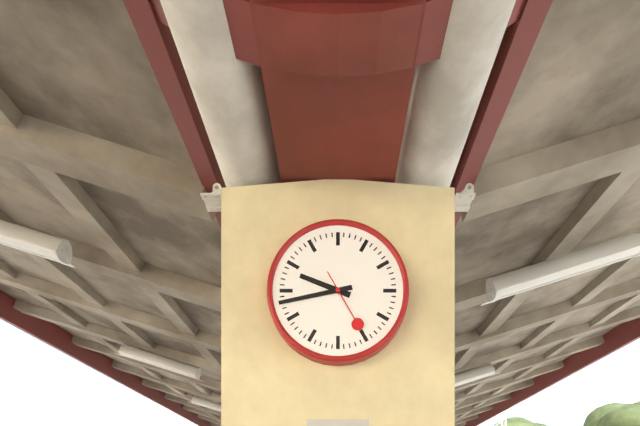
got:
9:43:25
